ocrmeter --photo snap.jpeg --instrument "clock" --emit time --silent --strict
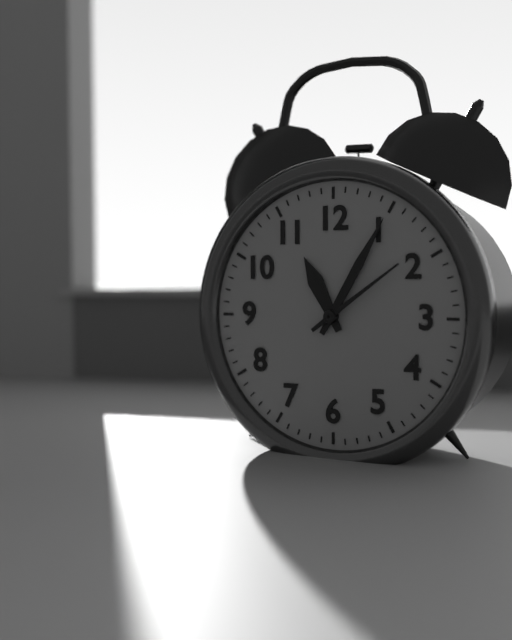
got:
11:05:09
